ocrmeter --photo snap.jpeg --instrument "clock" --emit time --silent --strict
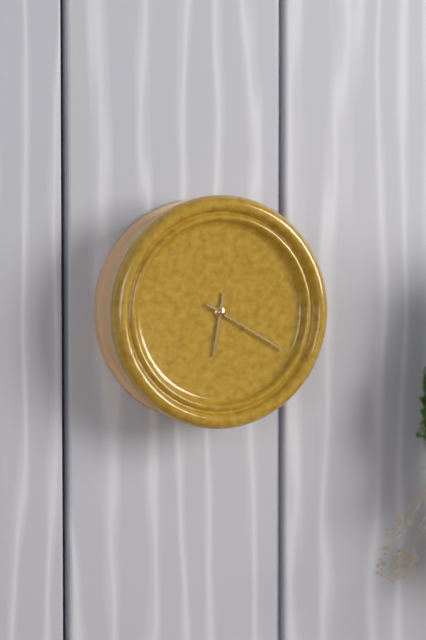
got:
6:20
